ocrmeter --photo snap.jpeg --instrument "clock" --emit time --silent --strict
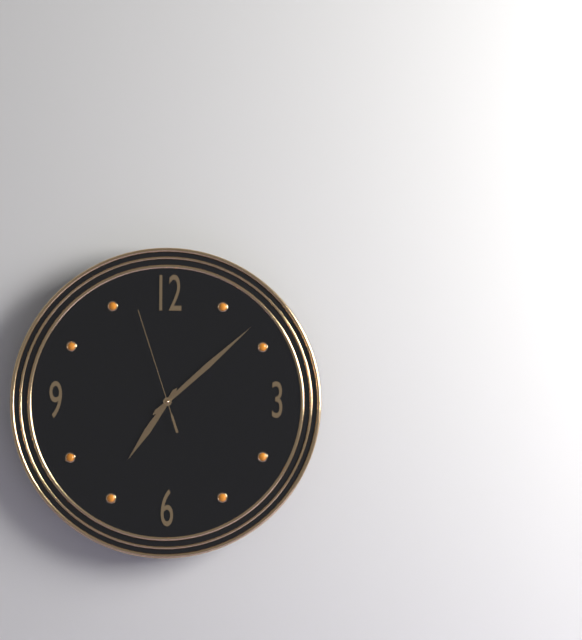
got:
7:08:57
